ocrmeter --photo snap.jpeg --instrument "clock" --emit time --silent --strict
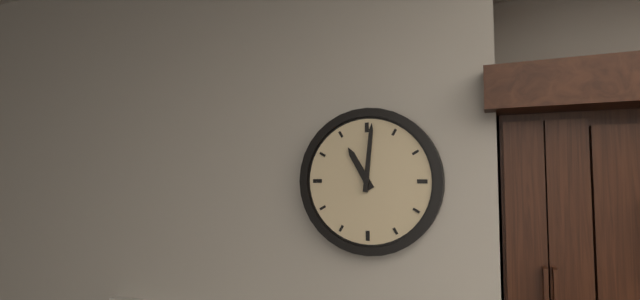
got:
11:01
